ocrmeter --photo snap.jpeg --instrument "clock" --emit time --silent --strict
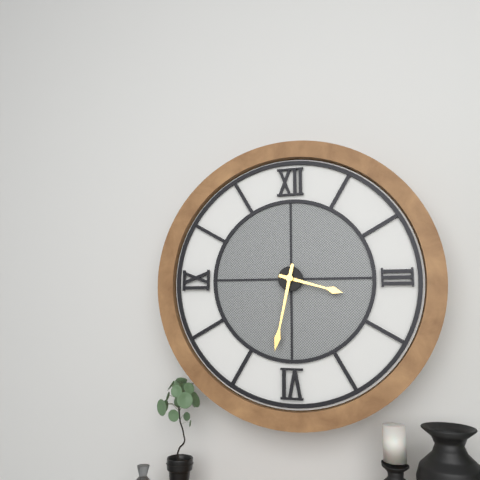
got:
3:32
